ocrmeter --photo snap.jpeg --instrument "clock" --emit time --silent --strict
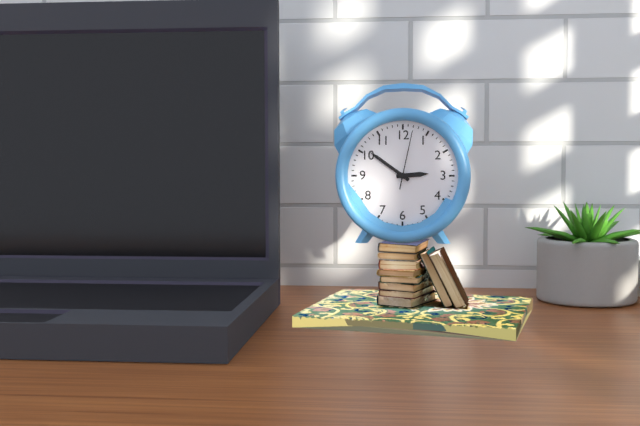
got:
2:51:02
